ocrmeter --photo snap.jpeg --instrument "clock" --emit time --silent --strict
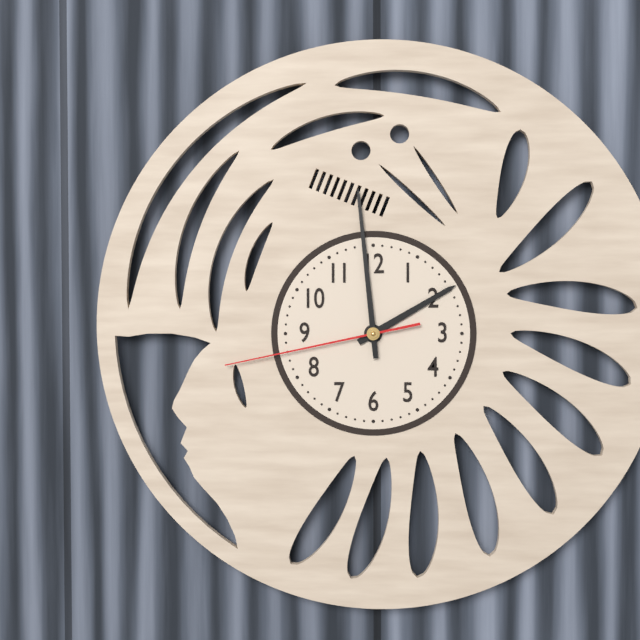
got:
1:59:43
